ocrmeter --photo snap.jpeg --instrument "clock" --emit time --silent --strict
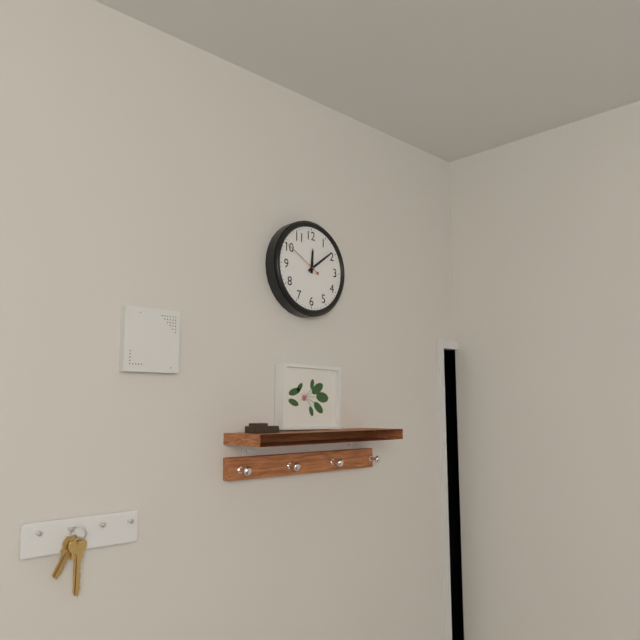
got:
12:09
